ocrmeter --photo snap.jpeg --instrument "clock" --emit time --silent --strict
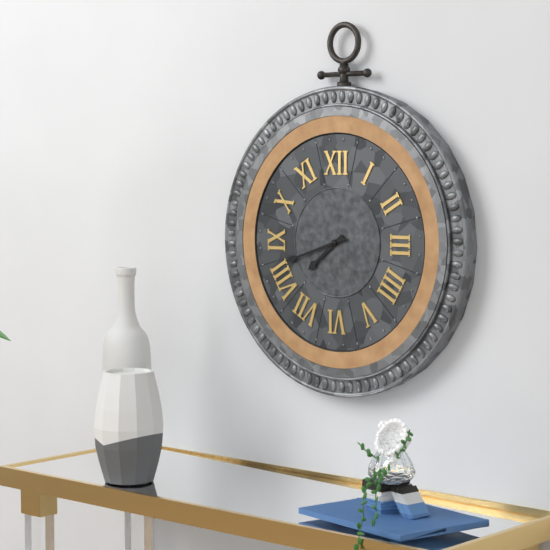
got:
7:42
